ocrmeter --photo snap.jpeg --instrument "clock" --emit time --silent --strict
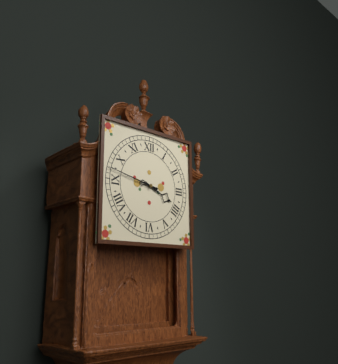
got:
3:47
